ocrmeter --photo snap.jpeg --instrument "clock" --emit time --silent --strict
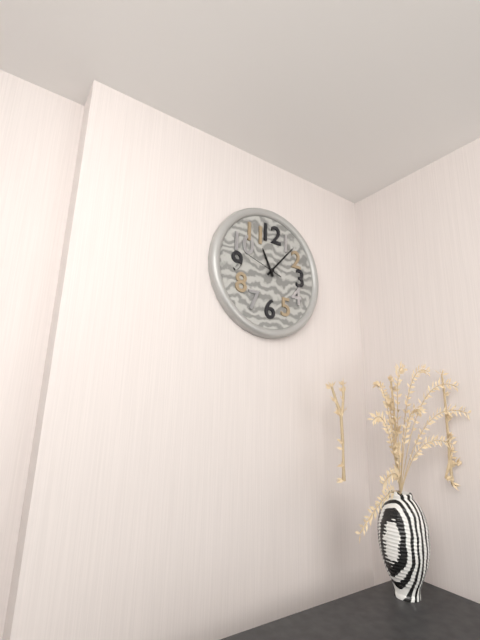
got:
11:07
